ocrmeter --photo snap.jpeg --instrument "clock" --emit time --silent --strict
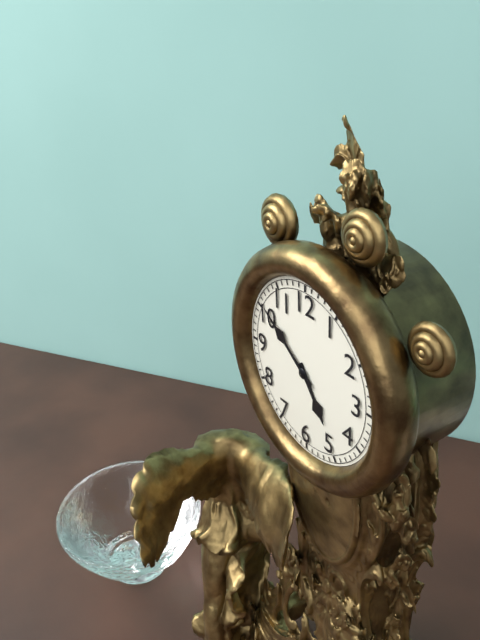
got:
4:51
